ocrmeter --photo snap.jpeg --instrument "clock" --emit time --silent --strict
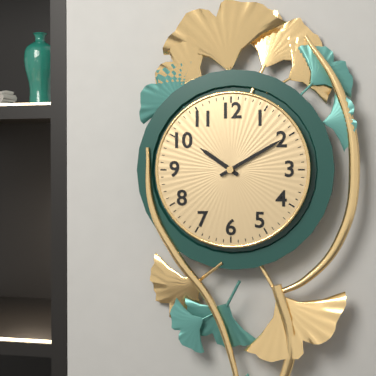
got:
10:10
